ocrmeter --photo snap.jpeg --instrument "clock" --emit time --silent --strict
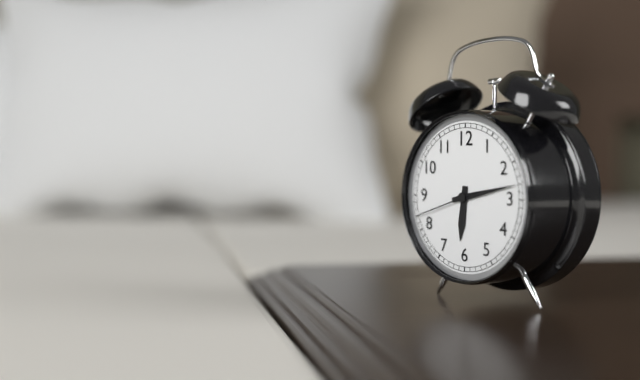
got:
6:13:42
